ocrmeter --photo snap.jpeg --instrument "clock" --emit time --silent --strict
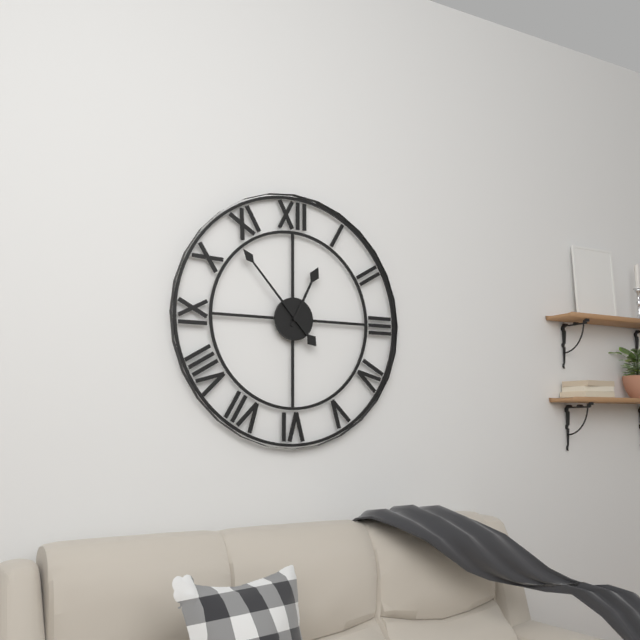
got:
12:53
